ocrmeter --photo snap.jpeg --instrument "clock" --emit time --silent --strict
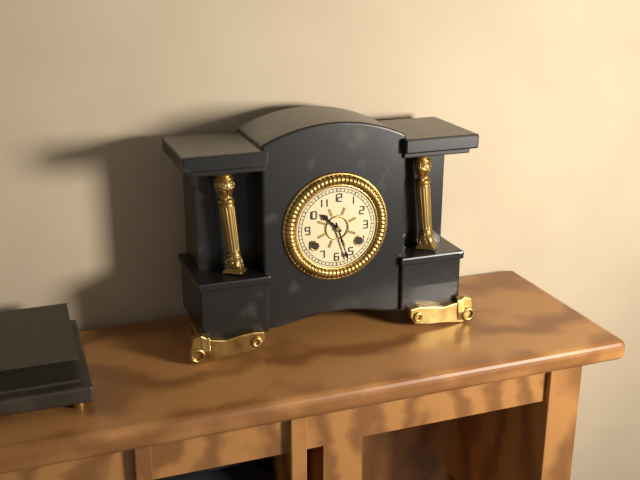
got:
10:27
